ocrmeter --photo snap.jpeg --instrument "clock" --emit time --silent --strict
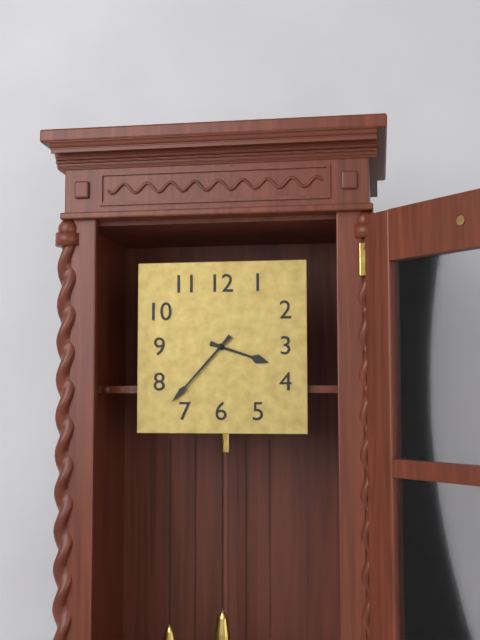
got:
3:37
